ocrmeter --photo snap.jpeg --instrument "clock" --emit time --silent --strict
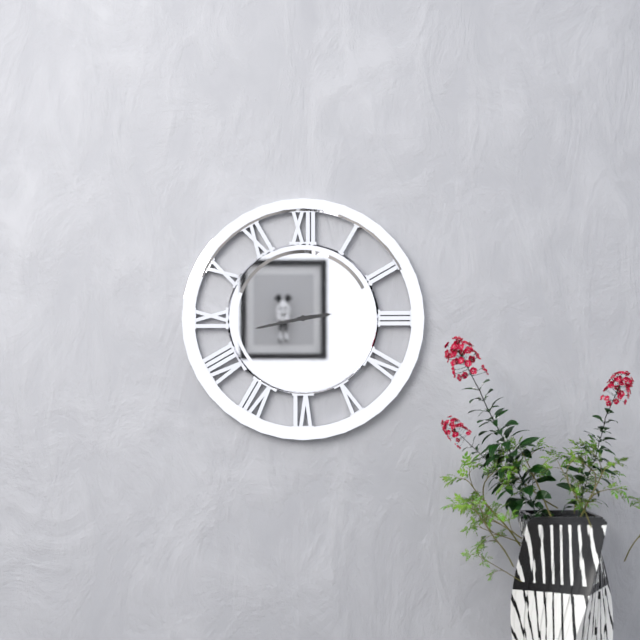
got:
2:43
